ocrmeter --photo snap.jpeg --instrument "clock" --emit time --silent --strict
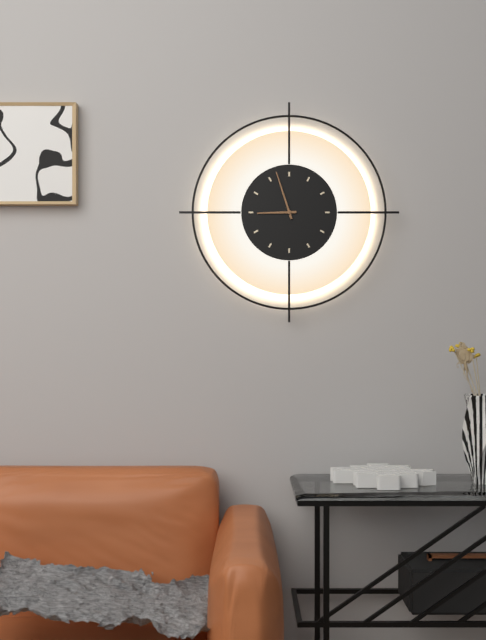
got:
8:57
